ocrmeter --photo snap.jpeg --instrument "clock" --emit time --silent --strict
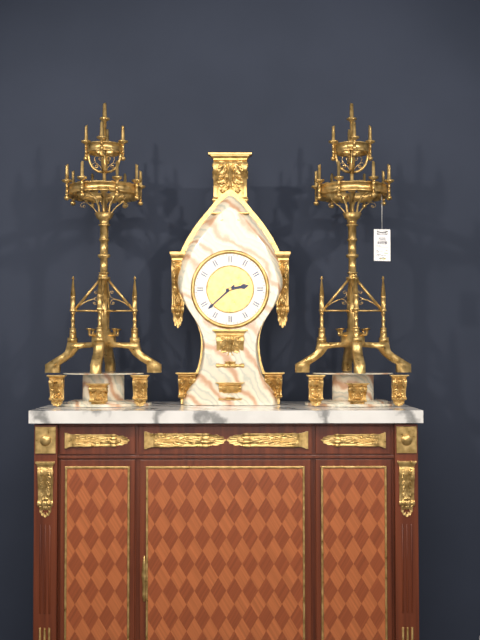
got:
2:38
